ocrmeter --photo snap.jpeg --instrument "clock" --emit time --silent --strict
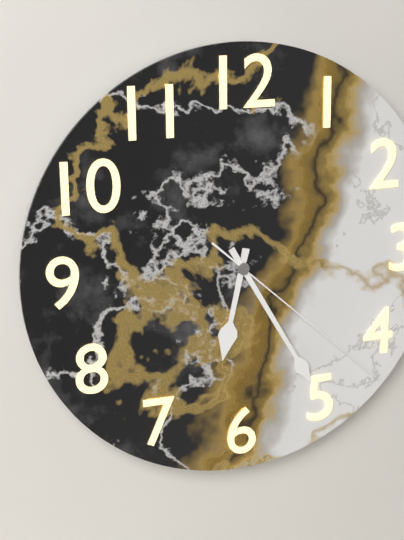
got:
6:25:22
